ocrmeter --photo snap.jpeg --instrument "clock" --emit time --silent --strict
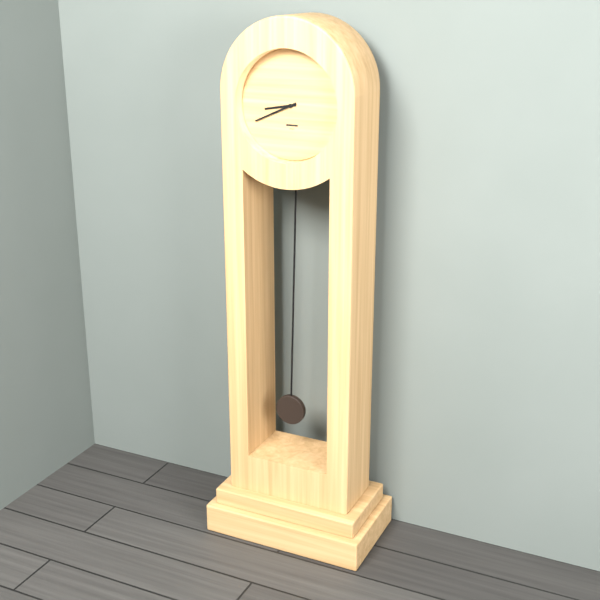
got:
8:41
